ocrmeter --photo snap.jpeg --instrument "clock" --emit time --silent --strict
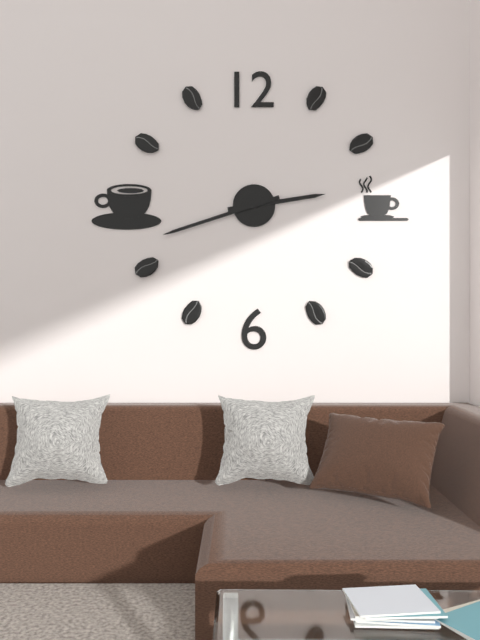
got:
2:42
